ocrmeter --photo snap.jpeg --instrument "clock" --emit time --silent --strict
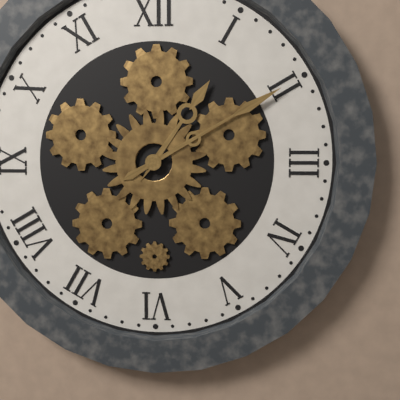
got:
1:10
